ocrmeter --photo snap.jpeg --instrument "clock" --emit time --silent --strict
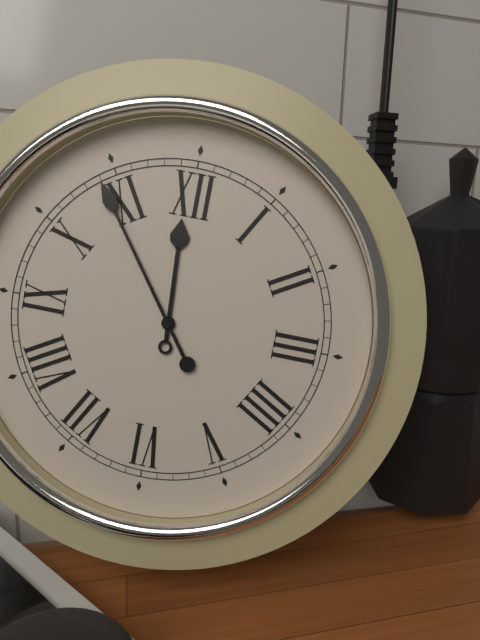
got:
11:54
